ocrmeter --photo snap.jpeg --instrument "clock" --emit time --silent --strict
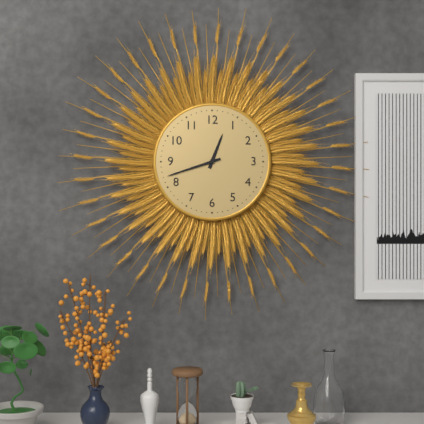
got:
12:42
